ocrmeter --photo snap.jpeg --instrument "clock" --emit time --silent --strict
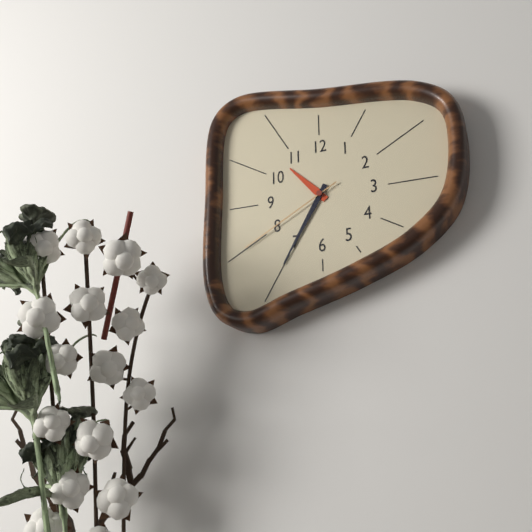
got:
10:35:40
